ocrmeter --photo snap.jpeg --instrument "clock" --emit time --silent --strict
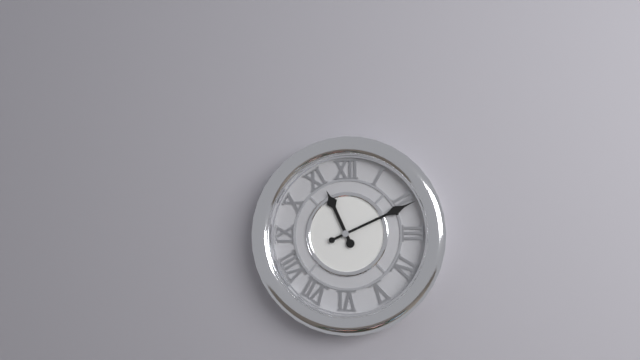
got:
11:11
